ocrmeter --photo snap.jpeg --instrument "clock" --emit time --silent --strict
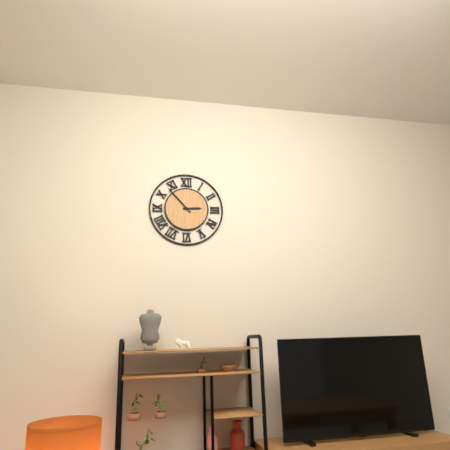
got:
2:53
